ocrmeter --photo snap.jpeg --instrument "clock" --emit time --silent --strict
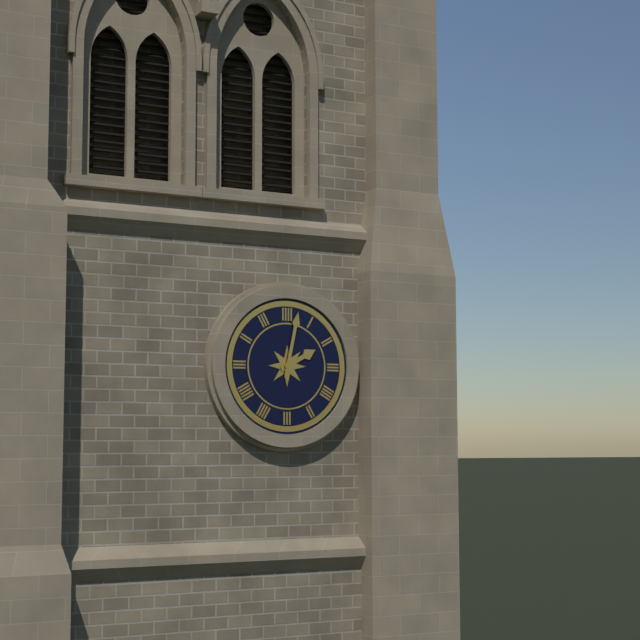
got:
2:02
